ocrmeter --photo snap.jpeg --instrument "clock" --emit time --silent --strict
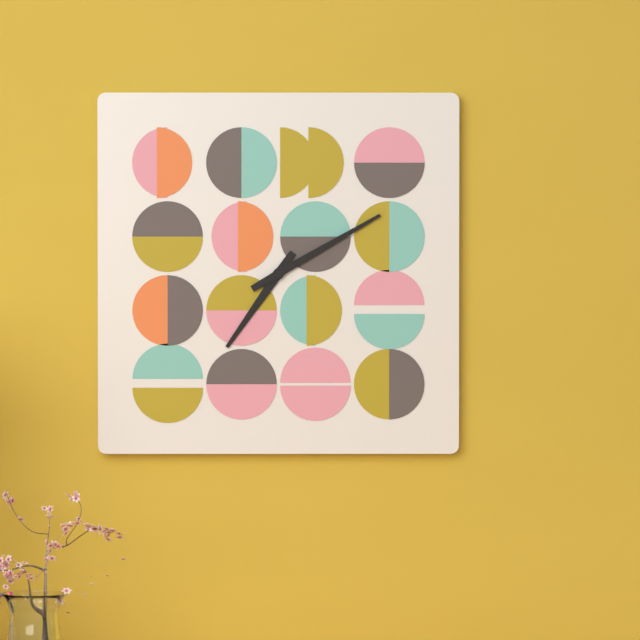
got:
7:10
